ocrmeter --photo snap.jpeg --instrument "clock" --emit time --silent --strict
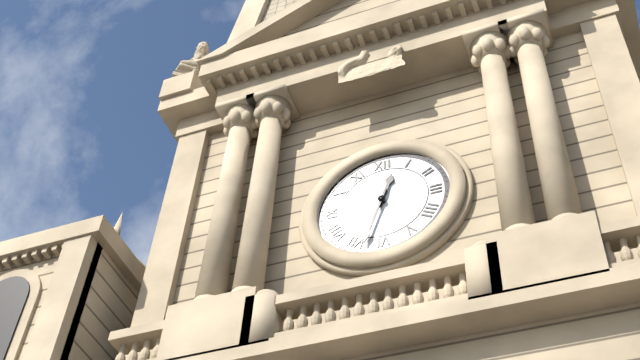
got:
12:33
